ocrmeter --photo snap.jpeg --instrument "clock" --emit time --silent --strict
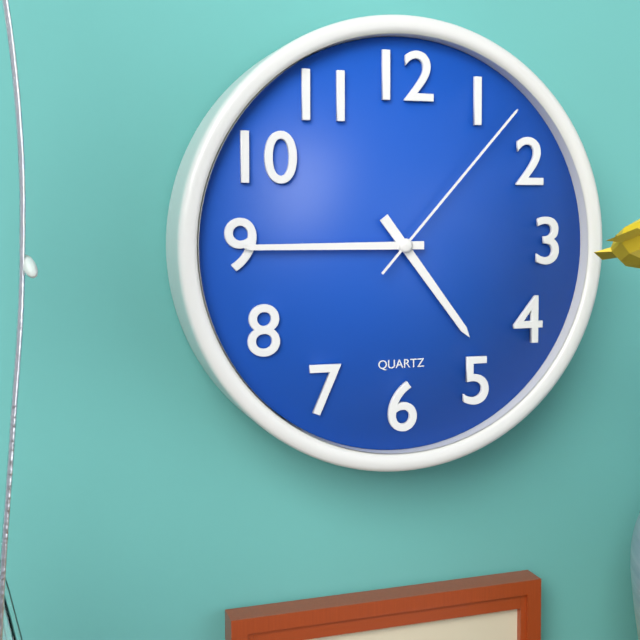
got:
4:45:07
